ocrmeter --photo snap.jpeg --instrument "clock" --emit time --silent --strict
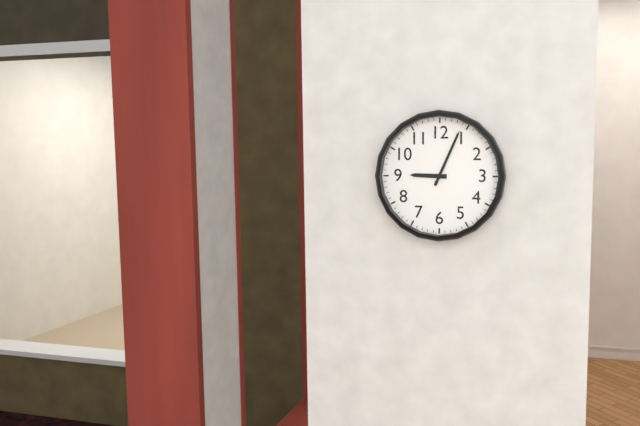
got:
9:04
